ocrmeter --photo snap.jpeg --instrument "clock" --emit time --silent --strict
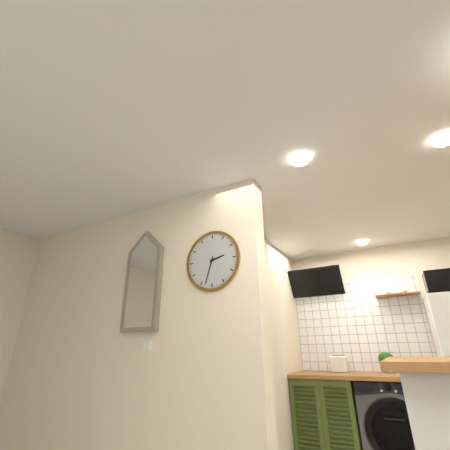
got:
2:33
